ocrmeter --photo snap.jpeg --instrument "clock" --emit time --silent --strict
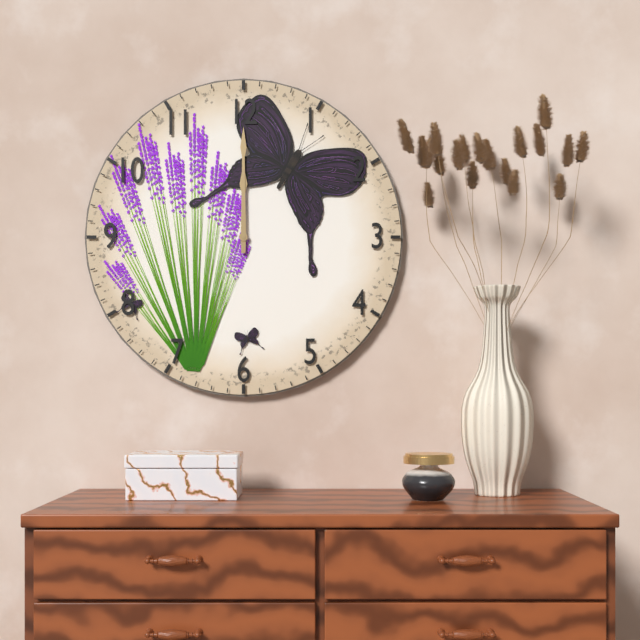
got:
12:00
